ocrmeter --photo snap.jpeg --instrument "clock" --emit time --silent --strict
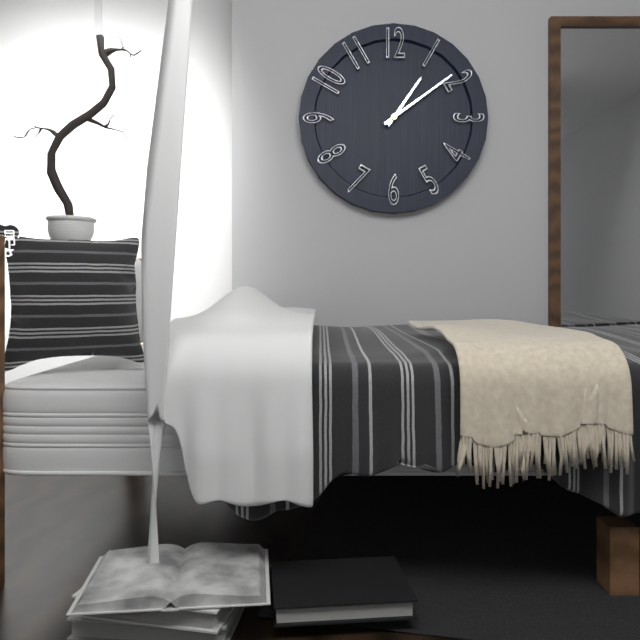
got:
1:09
